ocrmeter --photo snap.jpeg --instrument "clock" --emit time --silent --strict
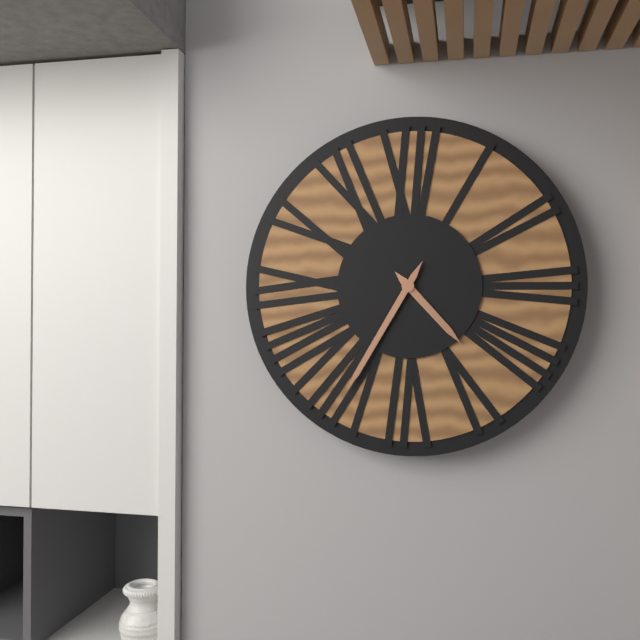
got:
4:35
